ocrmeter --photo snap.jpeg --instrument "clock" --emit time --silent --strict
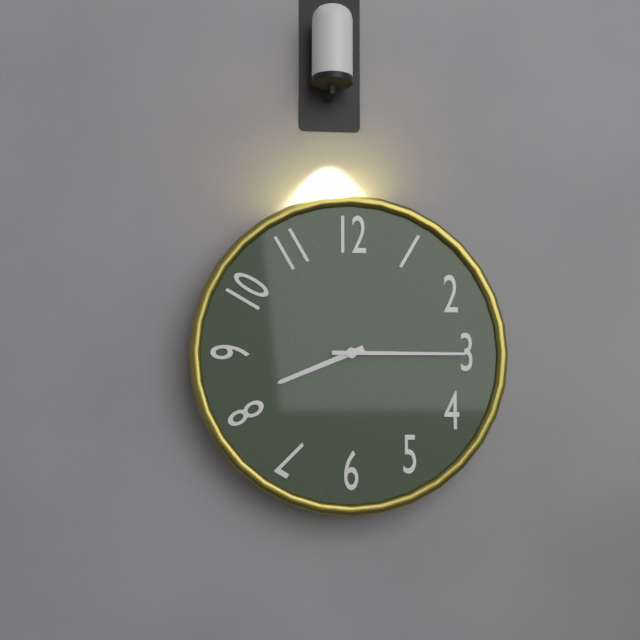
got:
8:15
